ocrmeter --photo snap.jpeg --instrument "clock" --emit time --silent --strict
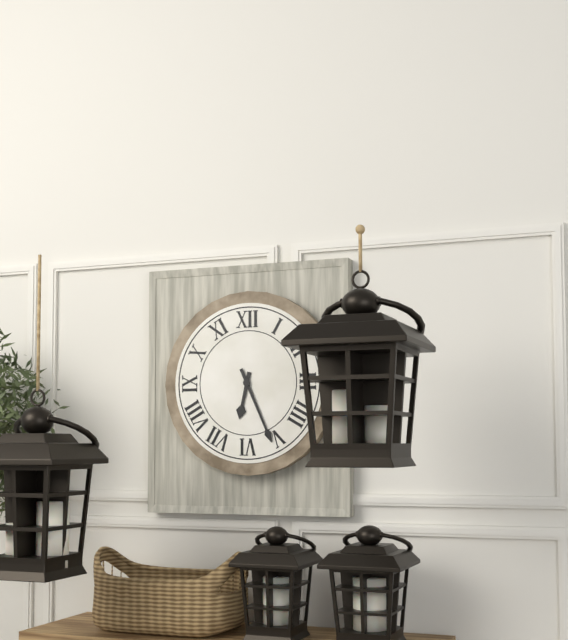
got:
6:26
